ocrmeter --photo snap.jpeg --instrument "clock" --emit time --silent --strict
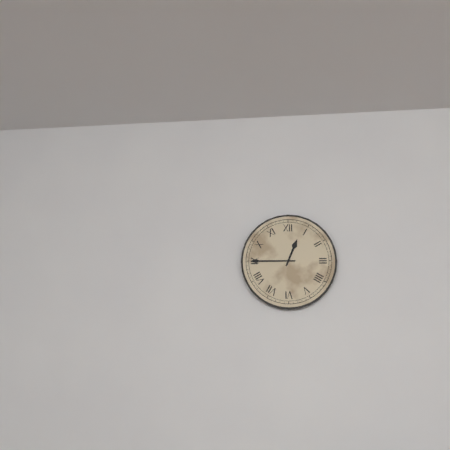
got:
12:45
